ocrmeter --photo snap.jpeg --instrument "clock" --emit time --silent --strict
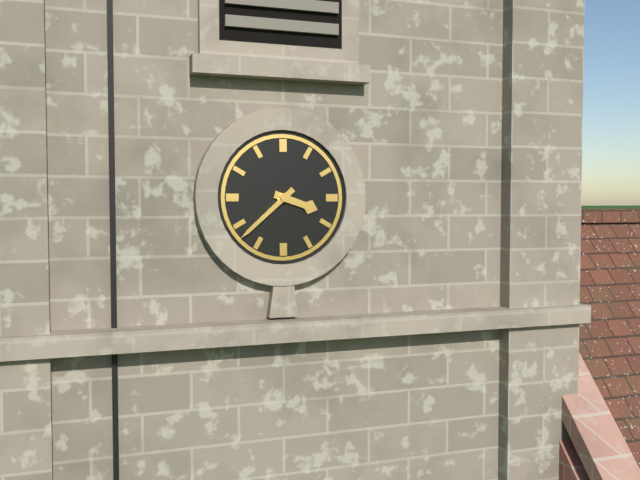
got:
3:38
